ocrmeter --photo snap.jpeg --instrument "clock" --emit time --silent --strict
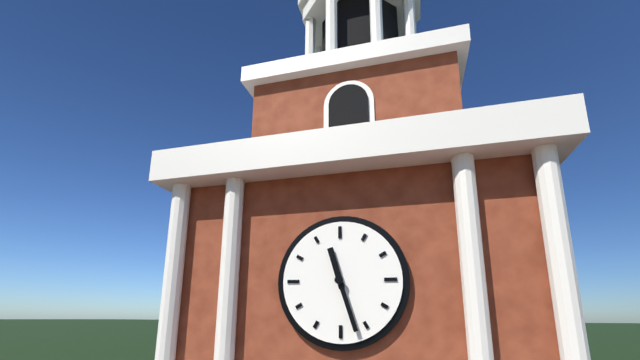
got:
11:27
